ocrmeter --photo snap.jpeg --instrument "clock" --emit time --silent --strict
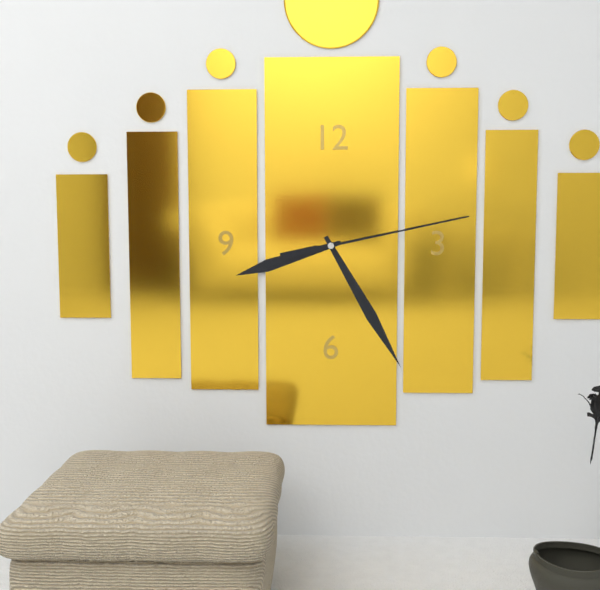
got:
8:25:13
